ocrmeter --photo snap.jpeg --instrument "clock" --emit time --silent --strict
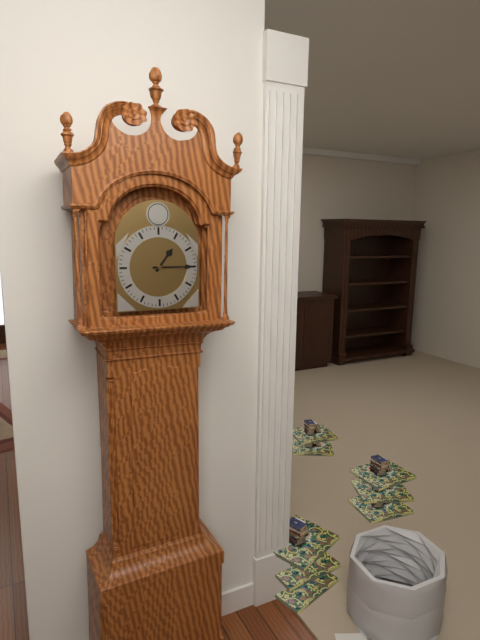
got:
1:15
